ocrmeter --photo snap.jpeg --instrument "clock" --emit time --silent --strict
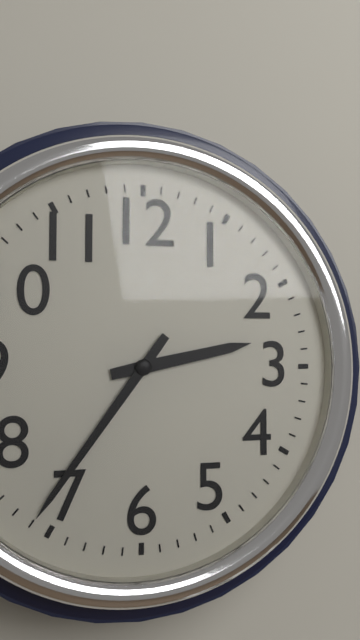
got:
2:36
